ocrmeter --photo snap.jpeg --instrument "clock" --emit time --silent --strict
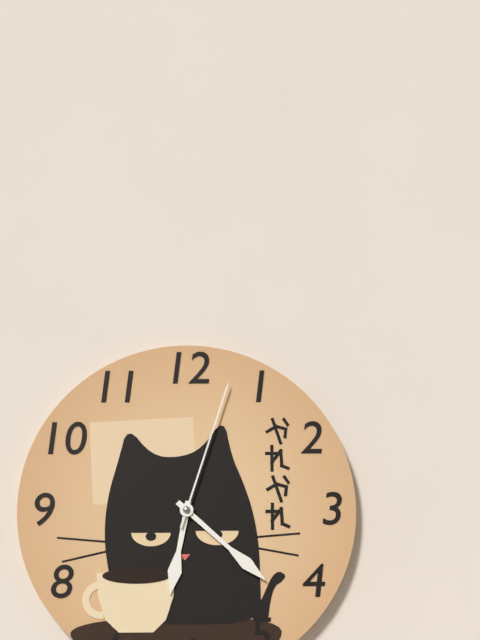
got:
6:22:03
